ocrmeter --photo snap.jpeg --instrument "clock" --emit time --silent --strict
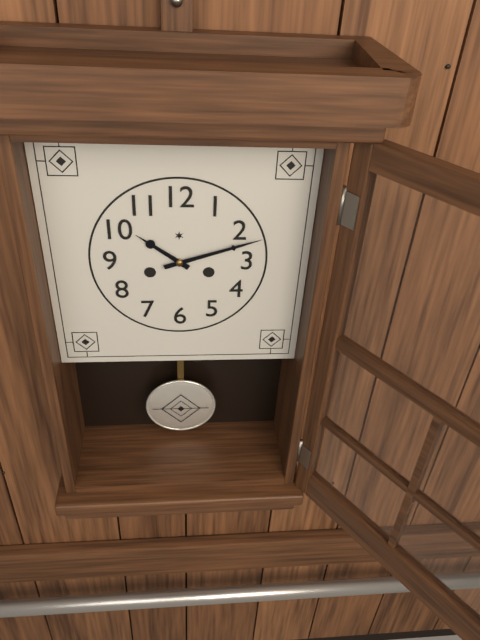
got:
10:12
